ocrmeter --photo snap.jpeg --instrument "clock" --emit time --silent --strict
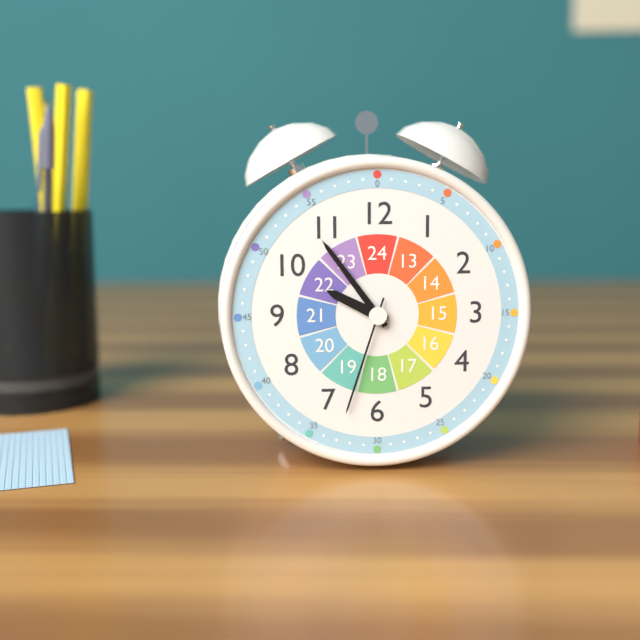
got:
9:54:33
